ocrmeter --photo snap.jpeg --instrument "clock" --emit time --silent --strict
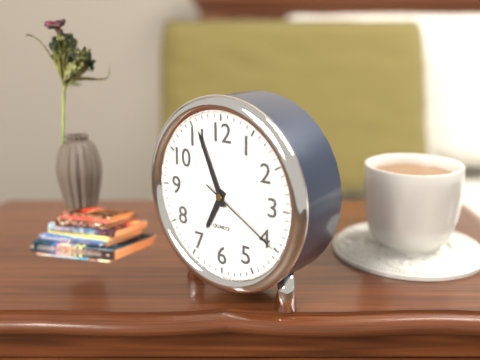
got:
6:56:20
